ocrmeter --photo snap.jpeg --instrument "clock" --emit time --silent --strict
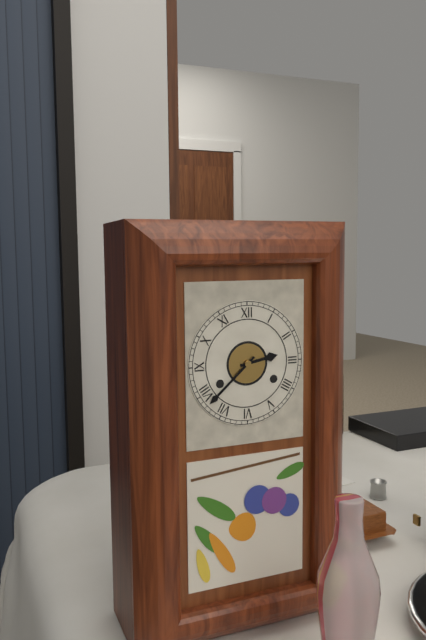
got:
2:38
